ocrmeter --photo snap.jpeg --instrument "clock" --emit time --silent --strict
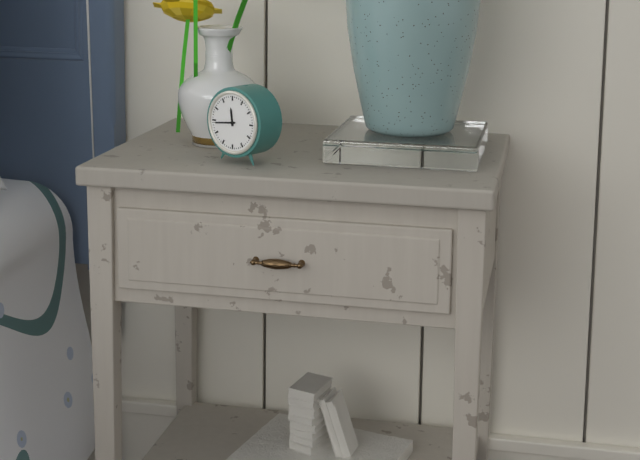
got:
11:44
